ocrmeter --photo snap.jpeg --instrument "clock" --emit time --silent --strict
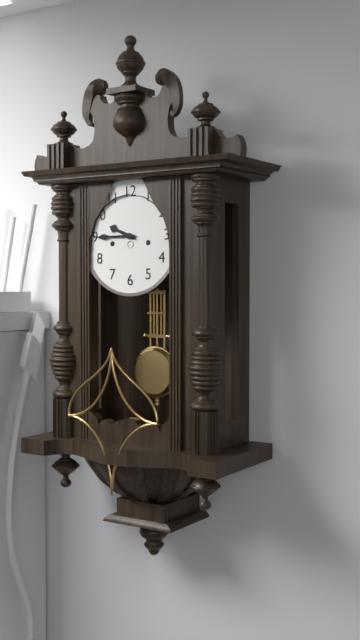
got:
9:45
